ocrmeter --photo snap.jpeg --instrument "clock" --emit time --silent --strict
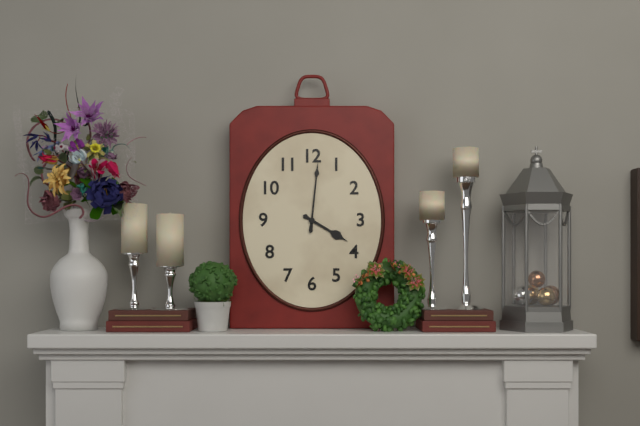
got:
4:01
